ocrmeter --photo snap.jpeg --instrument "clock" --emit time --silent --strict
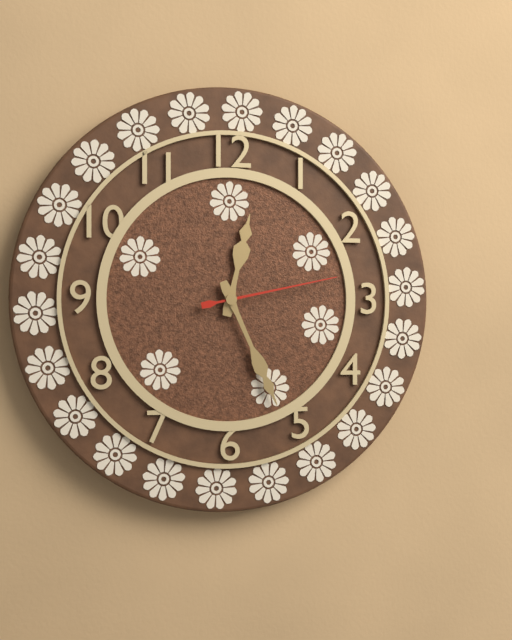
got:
12:26:13
